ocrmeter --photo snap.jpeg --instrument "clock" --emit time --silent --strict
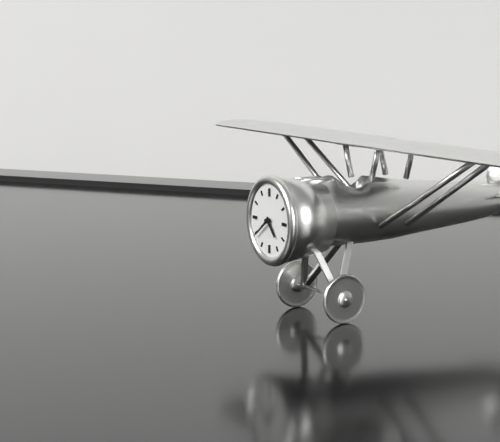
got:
4:39
